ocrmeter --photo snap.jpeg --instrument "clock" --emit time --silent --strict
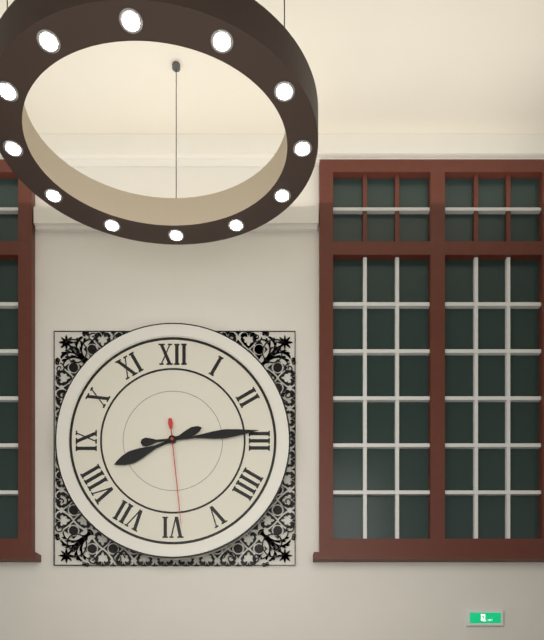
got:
8:14:29
